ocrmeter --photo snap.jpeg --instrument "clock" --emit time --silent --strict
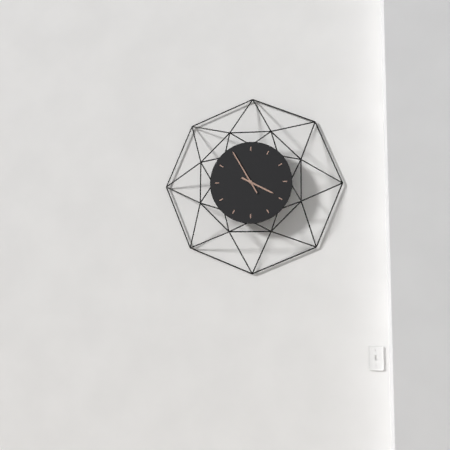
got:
3:55
